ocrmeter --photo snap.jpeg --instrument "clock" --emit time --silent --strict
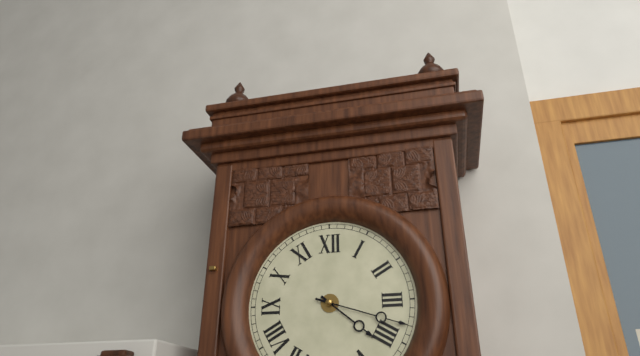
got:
4:18
